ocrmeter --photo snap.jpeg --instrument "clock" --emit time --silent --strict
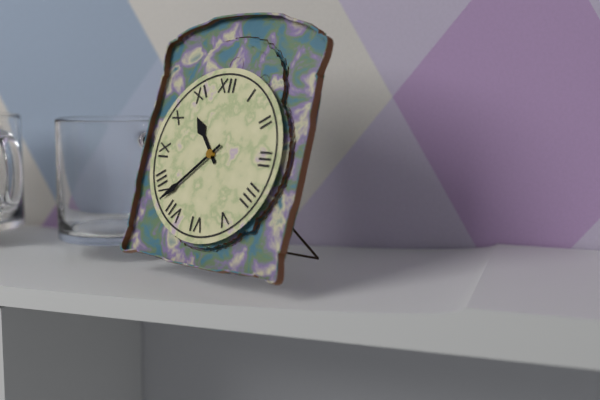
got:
10:38
